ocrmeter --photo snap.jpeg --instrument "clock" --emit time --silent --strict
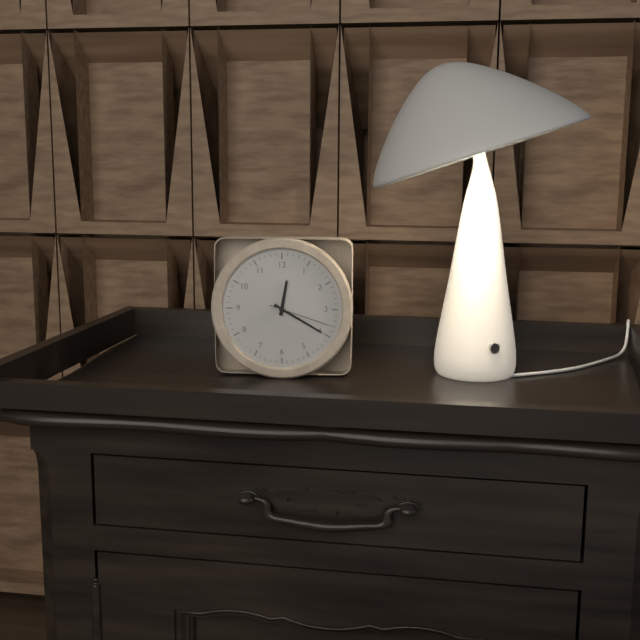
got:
12:20:18
